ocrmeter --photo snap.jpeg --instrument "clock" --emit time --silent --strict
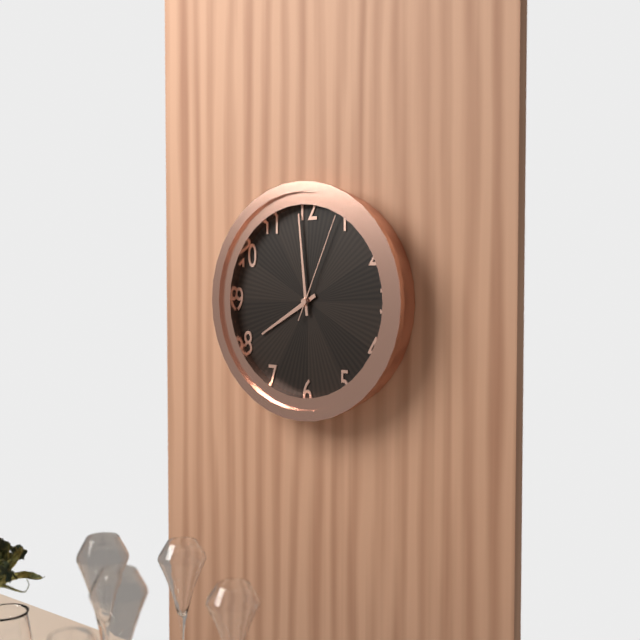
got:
7:59:04
